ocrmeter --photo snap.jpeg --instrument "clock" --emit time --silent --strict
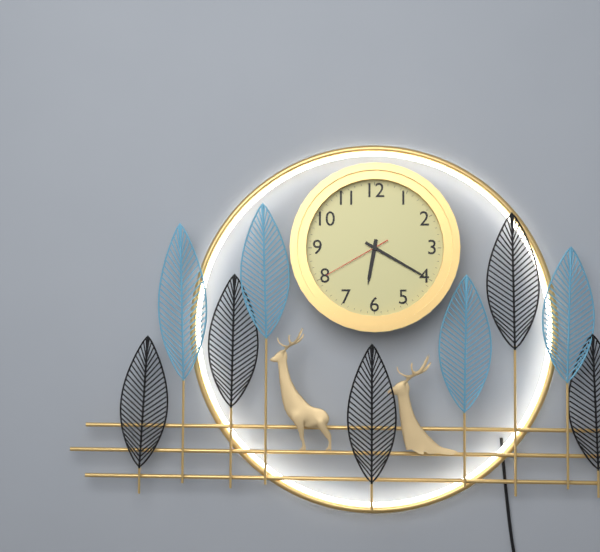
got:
6:20:40
